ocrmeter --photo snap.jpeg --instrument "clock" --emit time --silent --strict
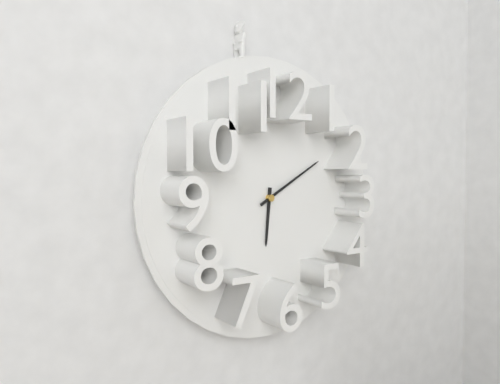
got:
6:10
